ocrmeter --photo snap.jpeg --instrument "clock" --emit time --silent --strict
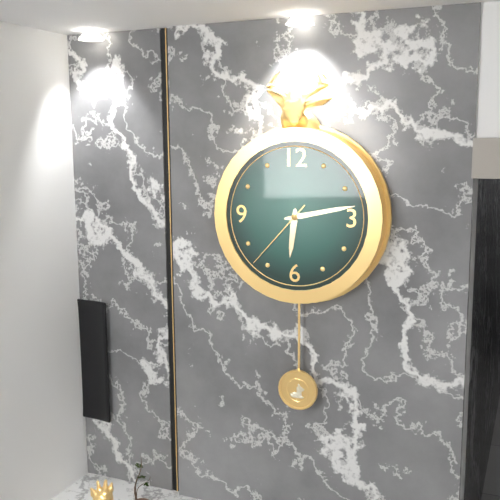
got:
6:13:37
